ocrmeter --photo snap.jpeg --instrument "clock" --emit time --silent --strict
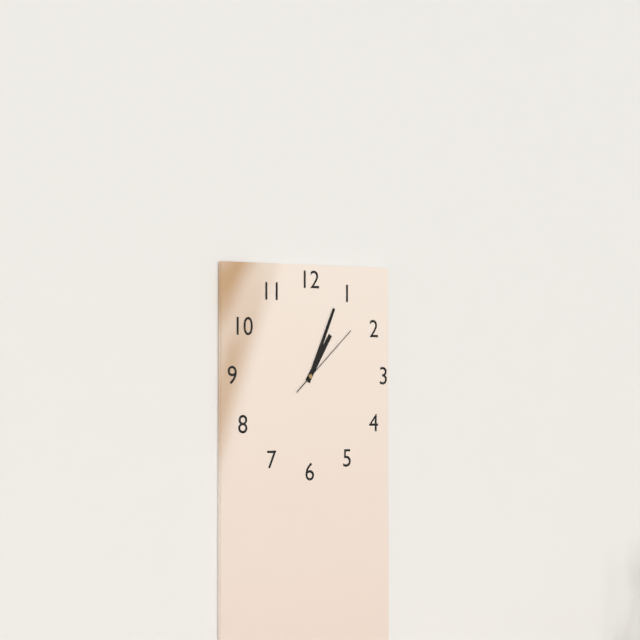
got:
1:04:08
